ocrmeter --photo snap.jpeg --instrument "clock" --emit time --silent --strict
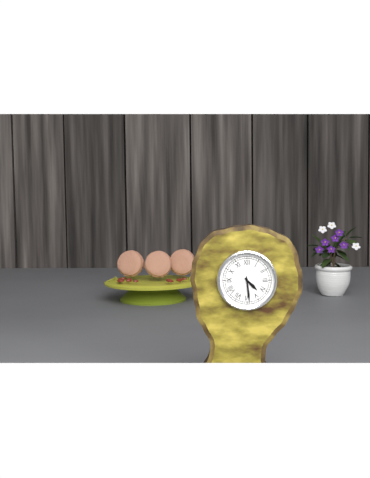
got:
4:29
